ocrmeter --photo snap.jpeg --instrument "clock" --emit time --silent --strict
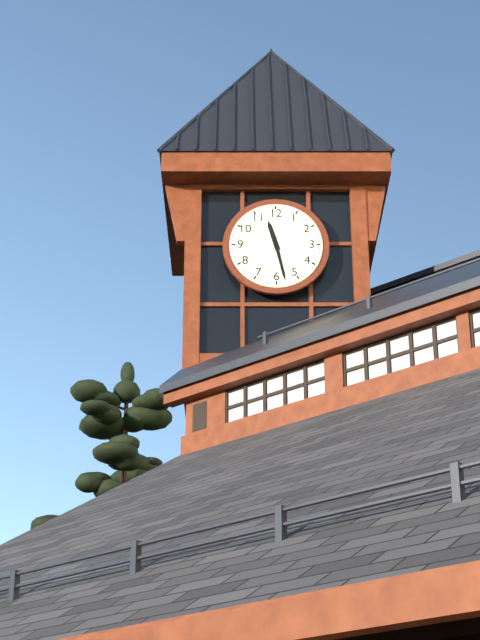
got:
11:28
